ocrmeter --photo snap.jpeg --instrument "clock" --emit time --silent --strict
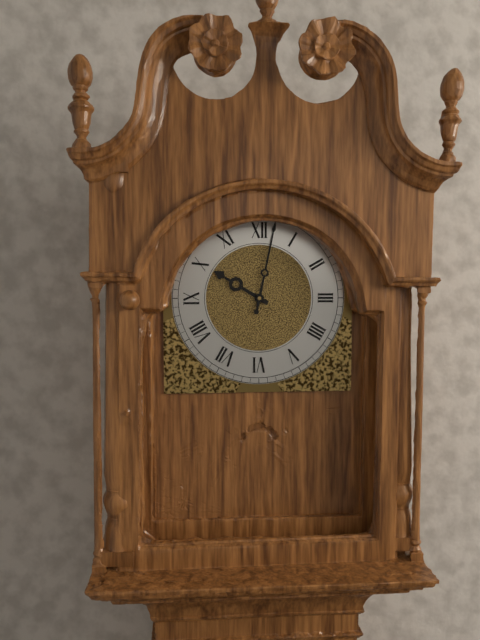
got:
10:02
